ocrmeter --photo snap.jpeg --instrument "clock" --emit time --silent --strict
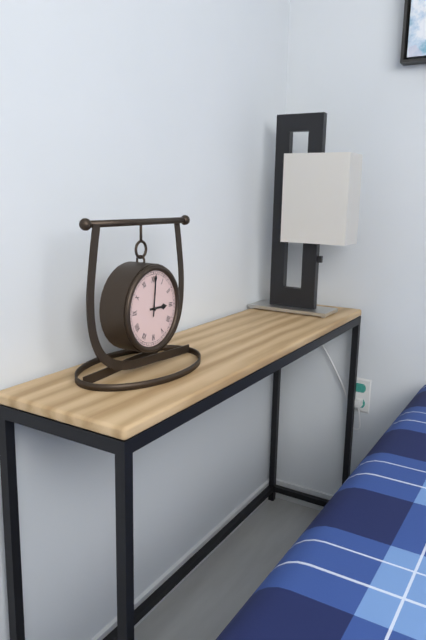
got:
3:01
